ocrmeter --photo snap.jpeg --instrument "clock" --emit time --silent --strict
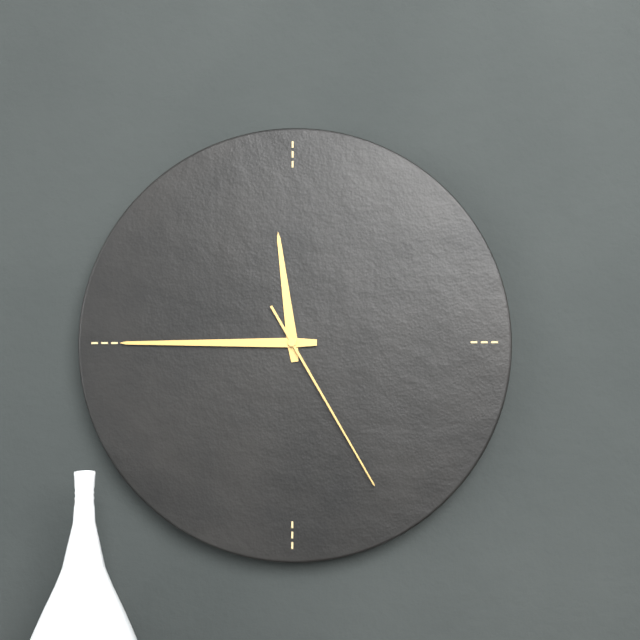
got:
11:45:25
